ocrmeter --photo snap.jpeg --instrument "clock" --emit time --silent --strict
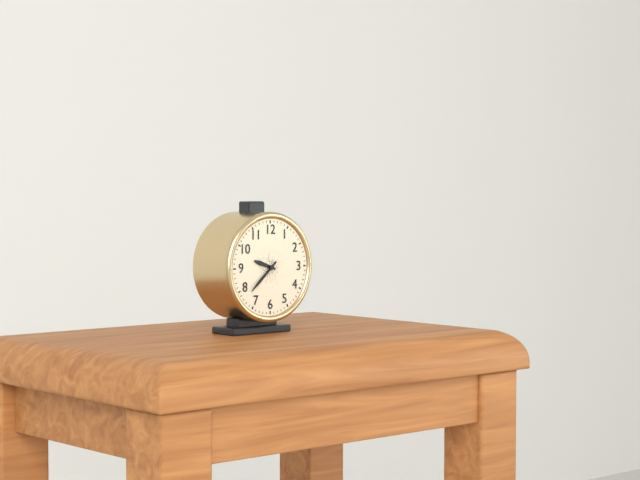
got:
9:38
